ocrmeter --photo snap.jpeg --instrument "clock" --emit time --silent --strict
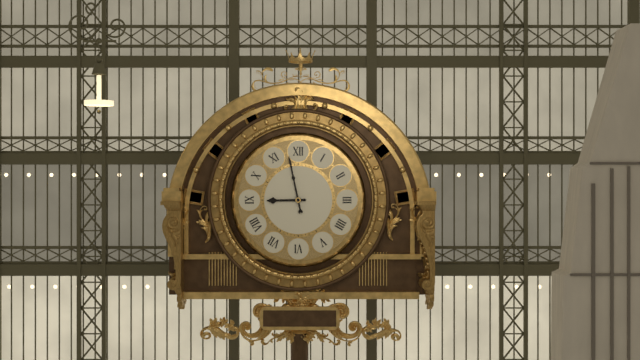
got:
8:58
